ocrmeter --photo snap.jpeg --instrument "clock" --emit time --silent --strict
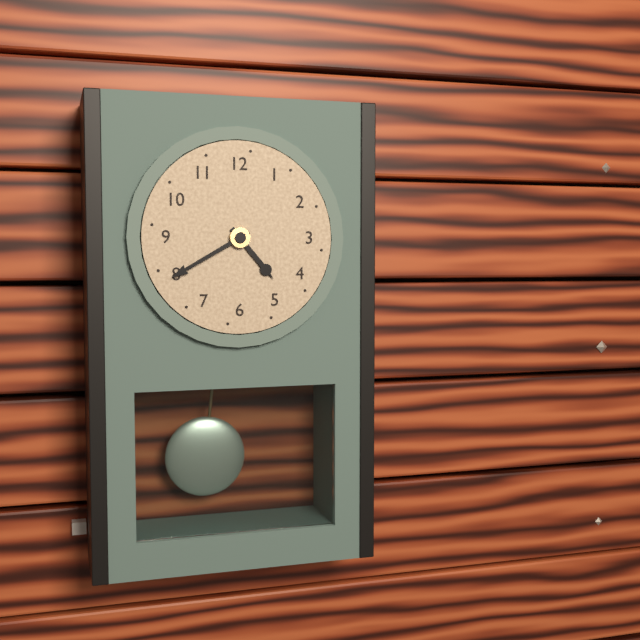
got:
4:40
